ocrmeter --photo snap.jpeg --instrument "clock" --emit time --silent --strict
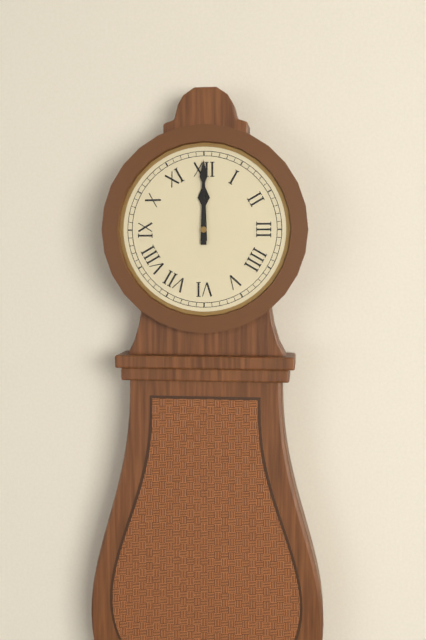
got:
12:00
